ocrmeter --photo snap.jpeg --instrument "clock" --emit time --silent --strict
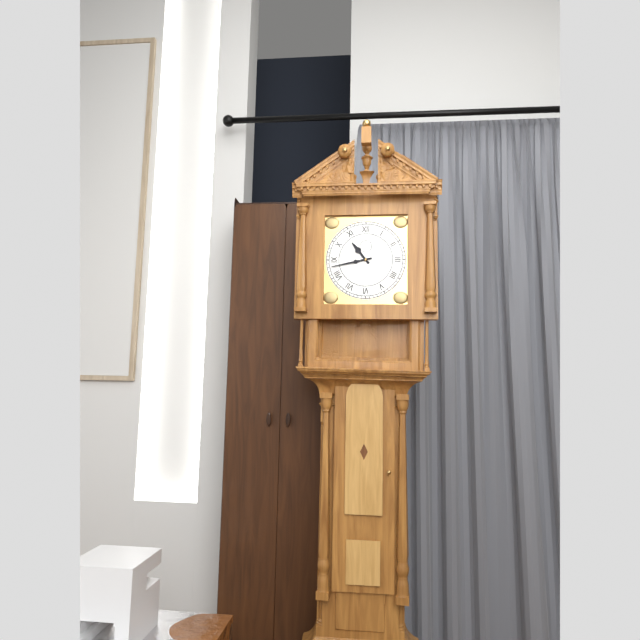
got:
10:43
